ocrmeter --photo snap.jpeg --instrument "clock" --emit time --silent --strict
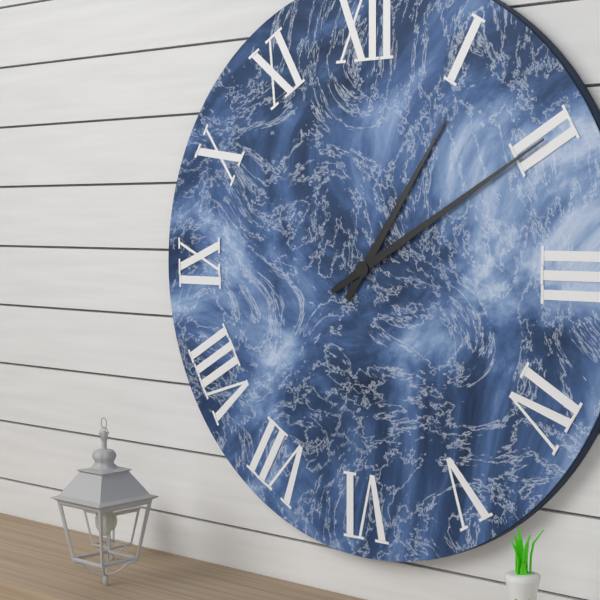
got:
1:10
